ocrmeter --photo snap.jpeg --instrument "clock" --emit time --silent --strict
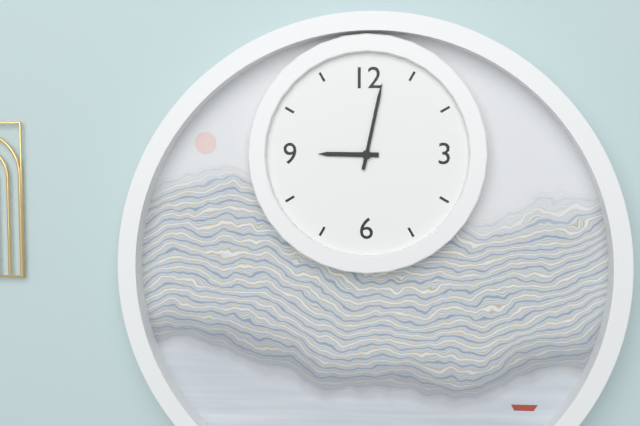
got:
9:02
